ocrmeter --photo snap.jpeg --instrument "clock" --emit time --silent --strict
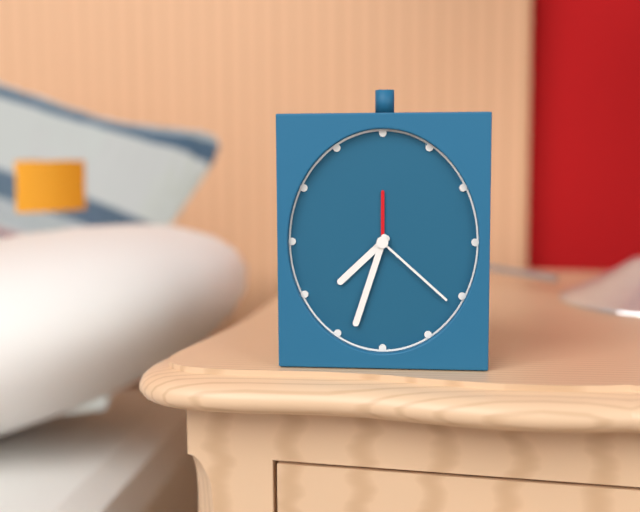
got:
7:33:22
